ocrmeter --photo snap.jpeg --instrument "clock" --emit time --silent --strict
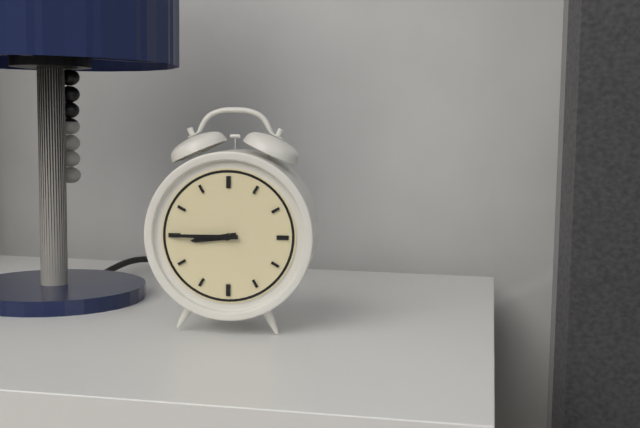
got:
8:45
